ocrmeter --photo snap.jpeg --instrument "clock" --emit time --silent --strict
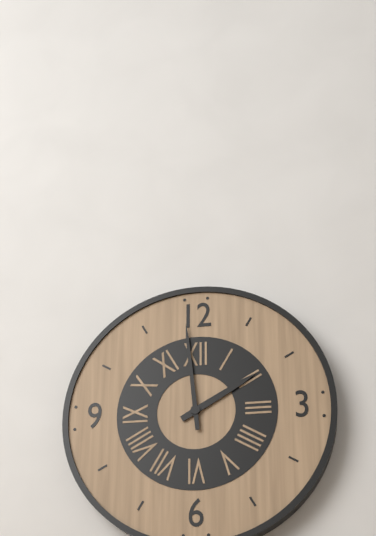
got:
1:59
